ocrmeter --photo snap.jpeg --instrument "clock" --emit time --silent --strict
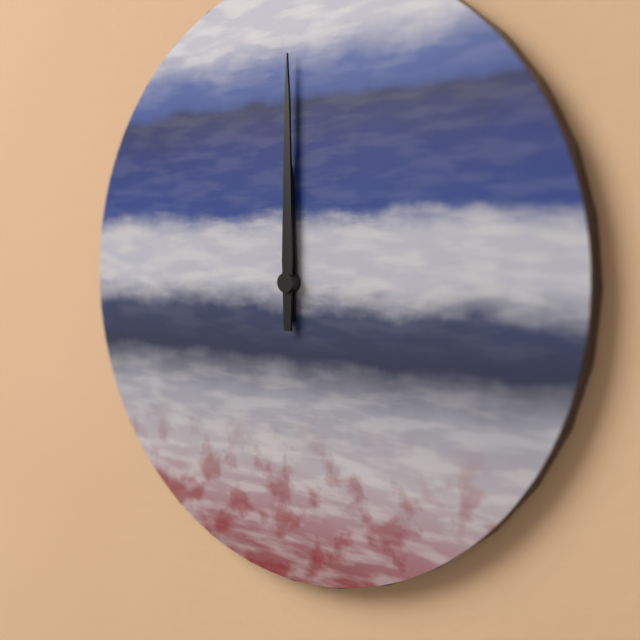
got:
12:00
